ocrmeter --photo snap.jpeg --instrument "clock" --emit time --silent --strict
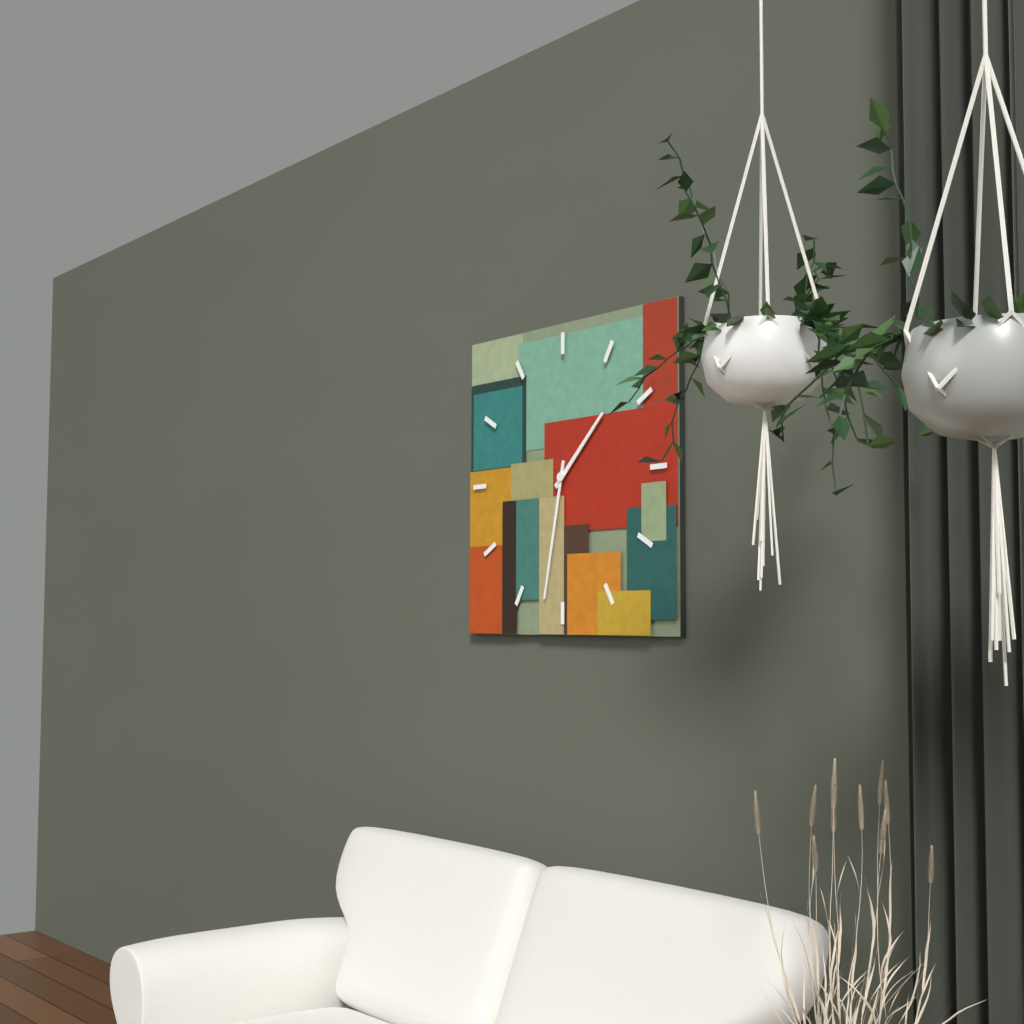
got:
1:32
